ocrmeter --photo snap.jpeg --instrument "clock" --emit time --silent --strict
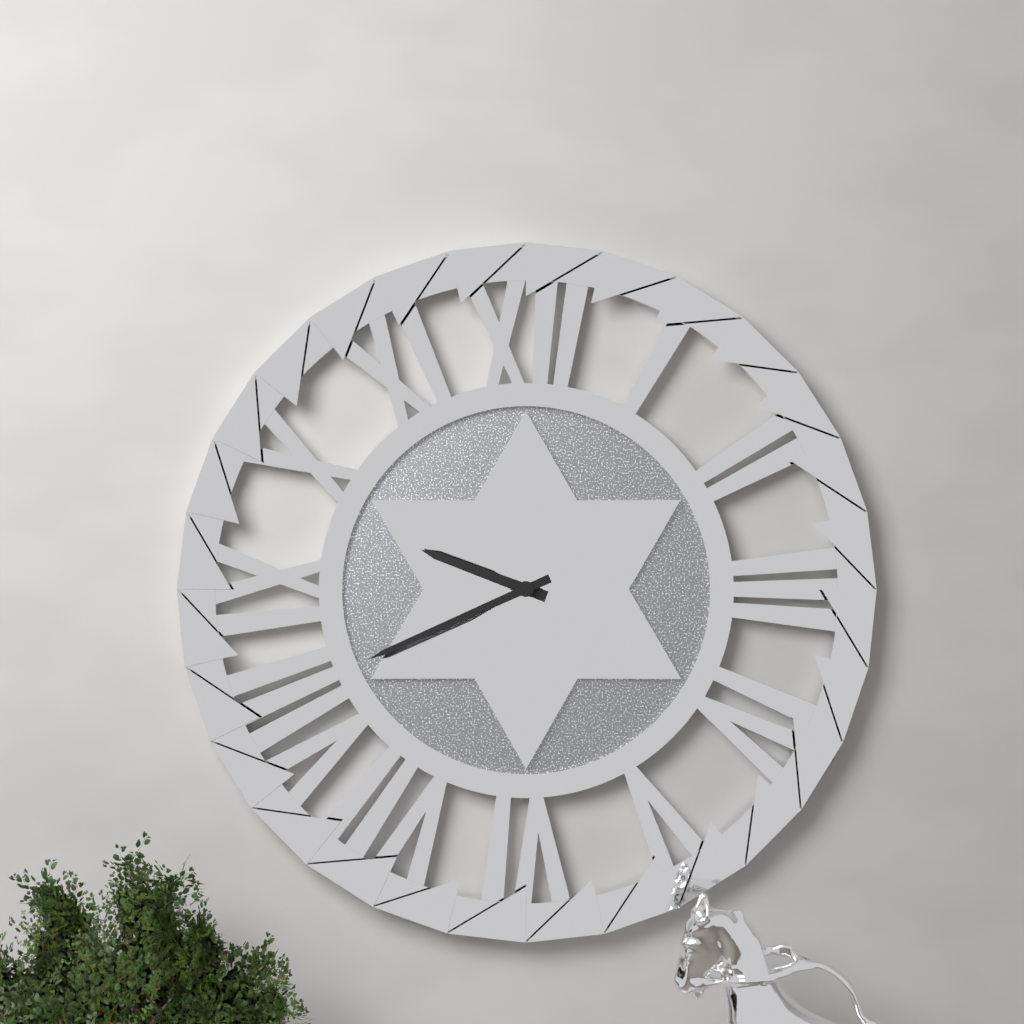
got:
9:41
